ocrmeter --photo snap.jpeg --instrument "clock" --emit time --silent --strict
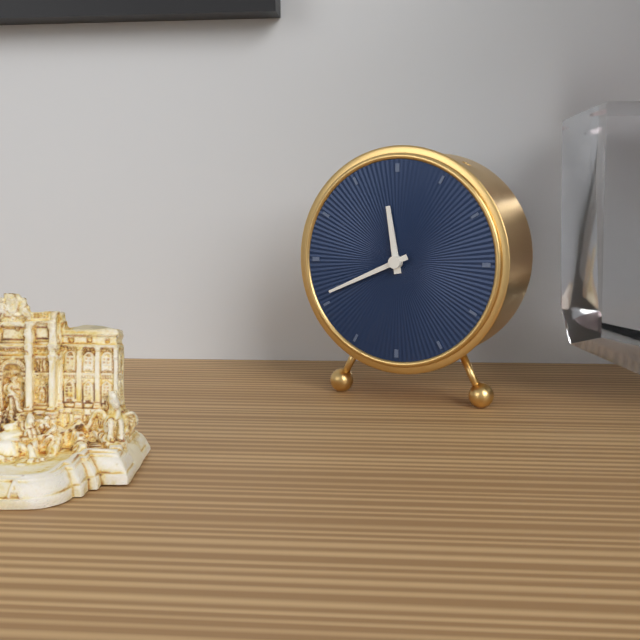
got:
11:41
